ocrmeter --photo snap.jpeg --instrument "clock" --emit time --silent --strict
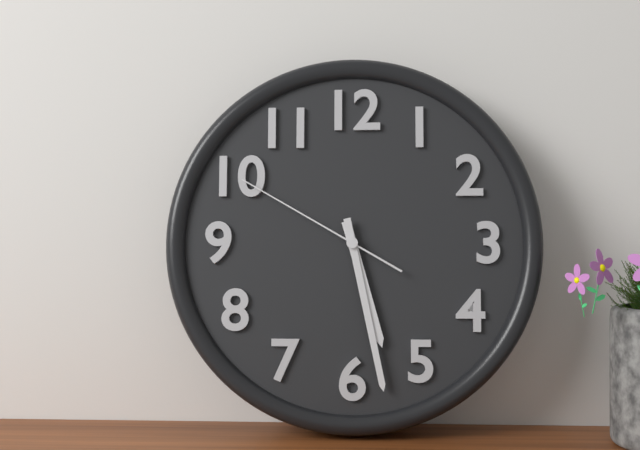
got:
5:28:50
